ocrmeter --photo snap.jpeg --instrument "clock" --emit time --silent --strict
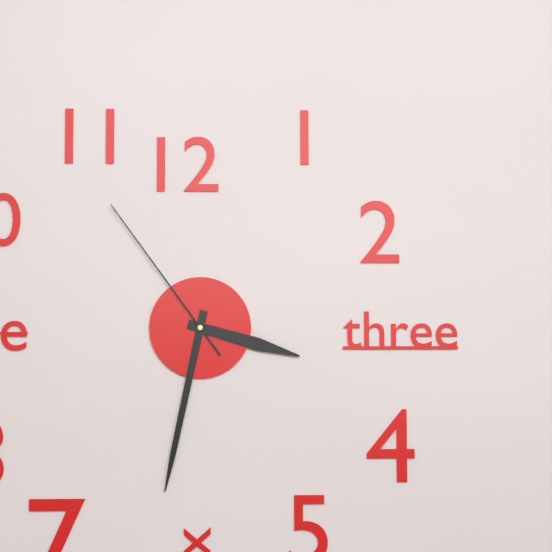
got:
3:32:54
